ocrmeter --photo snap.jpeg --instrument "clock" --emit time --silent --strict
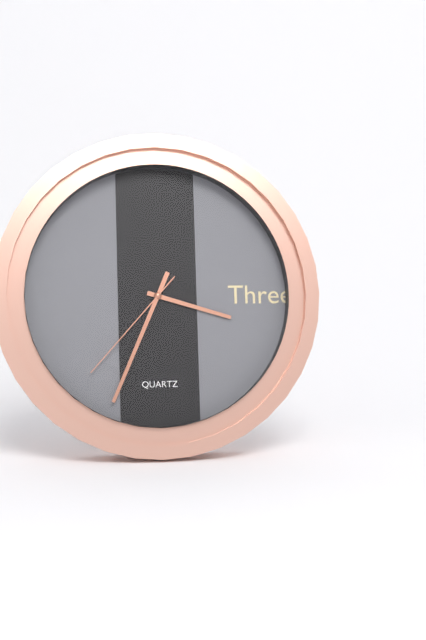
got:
3:34:37
